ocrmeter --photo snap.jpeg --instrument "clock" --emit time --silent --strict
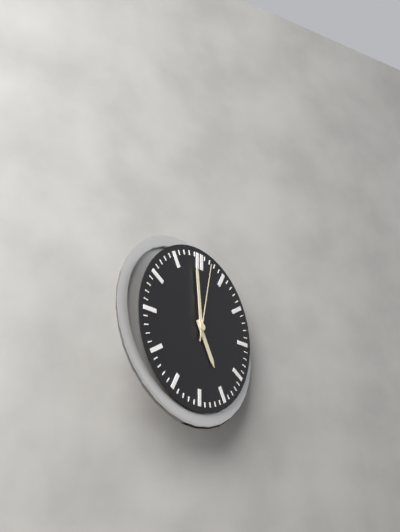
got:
4:59:02
